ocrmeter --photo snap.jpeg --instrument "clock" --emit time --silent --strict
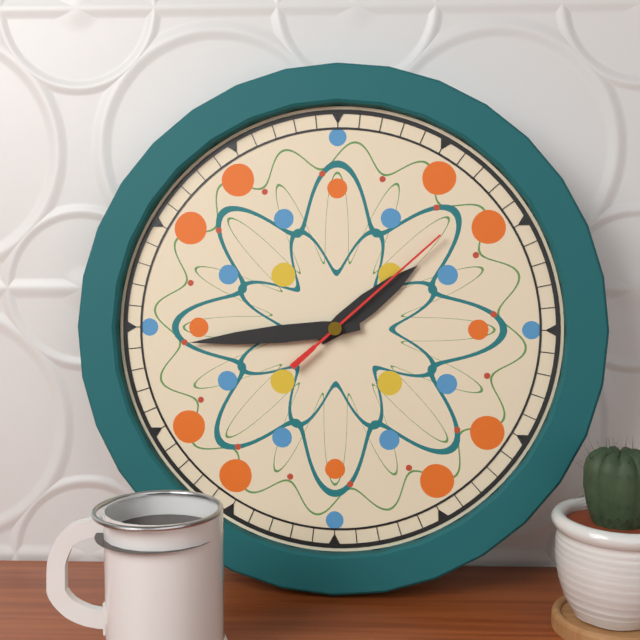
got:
1:44:08
